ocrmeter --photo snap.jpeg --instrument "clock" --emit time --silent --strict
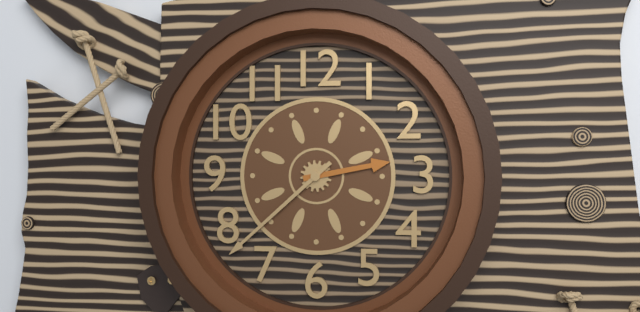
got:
2:38
